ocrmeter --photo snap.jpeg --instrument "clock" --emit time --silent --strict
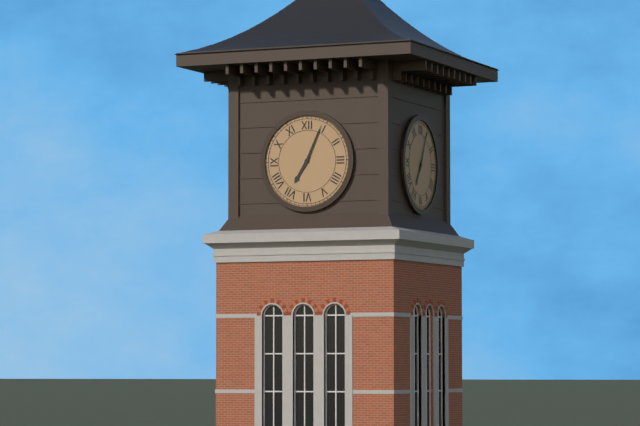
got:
7:04
